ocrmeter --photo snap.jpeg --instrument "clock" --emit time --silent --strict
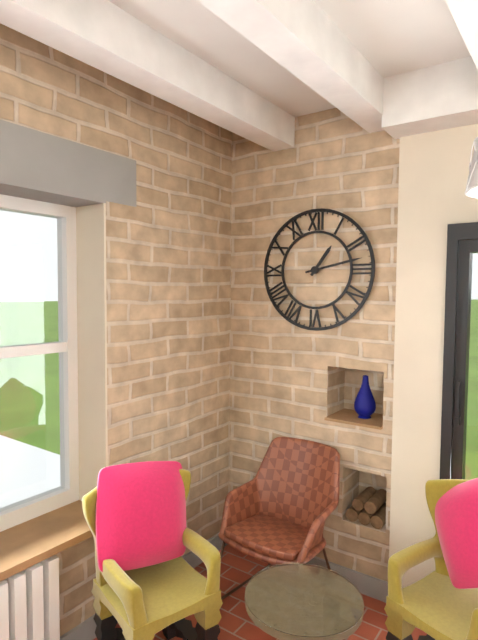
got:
1:13
